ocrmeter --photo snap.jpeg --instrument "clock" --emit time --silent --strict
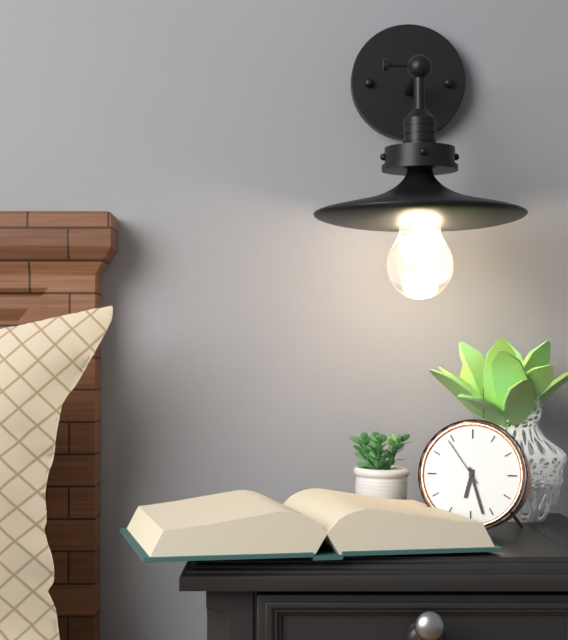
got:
6:27:54
